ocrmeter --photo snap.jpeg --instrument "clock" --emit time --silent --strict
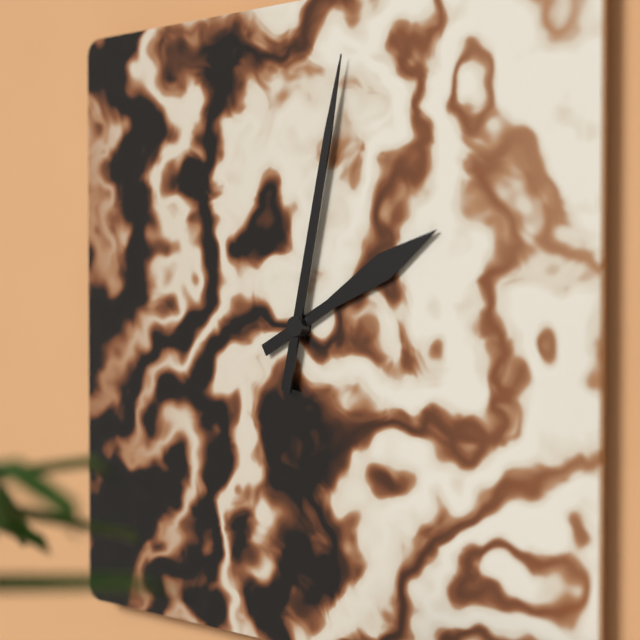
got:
2:02
